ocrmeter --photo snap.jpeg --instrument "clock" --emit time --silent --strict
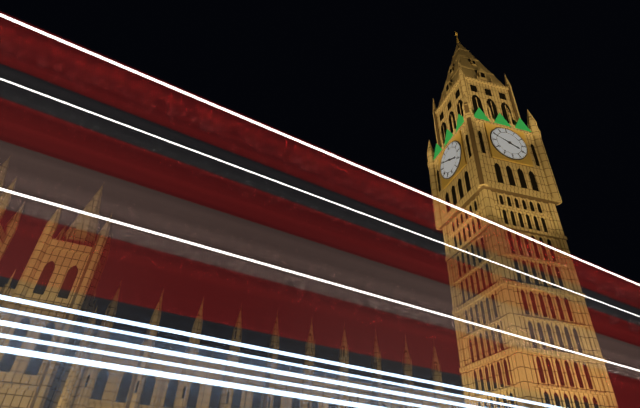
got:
3:49
